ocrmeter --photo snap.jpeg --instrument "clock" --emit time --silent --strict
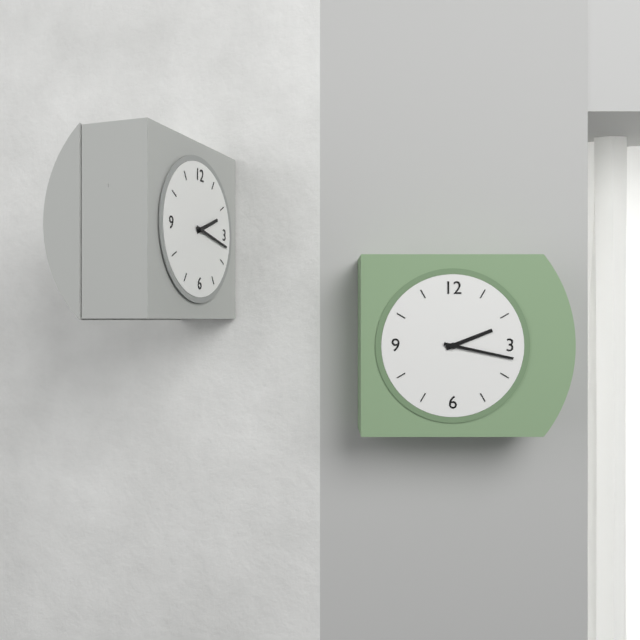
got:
2:17
